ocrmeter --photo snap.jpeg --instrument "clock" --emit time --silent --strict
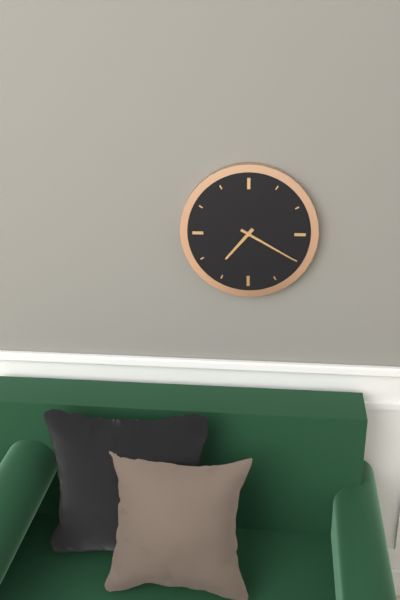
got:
7:20
